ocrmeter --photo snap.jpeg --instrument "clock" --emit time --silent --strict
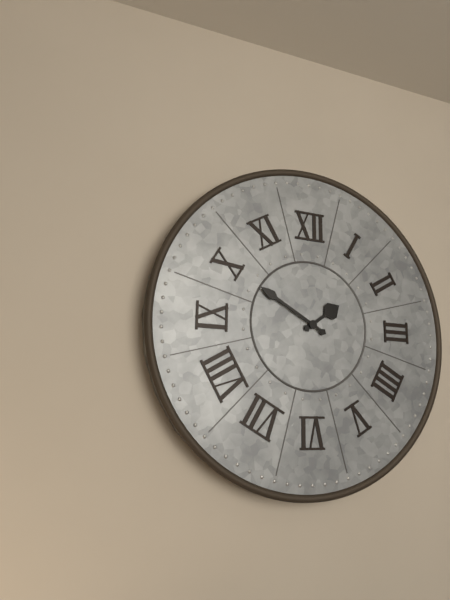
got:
1:50
